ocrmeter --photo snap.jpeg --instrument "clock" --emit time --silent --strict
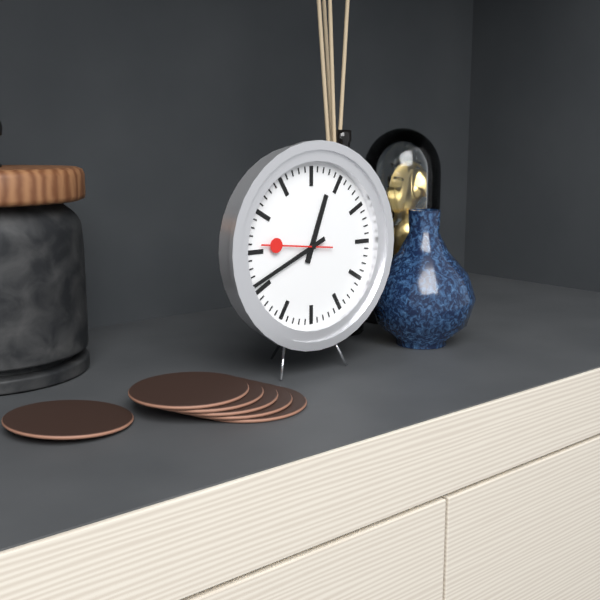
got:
12:41:46
